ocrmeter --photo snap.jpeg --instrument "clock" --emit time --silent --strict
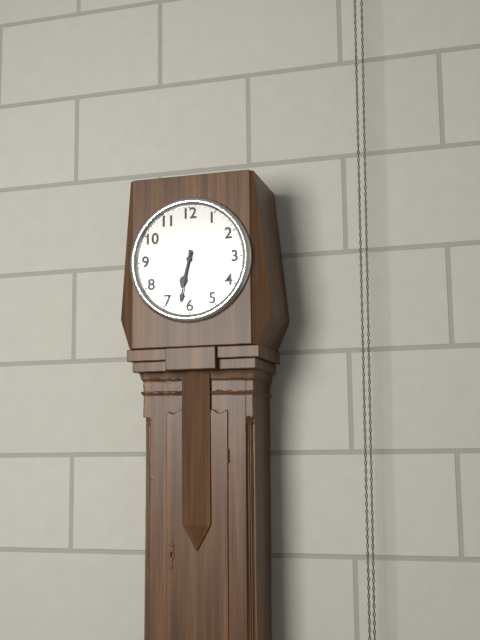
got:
6:32
